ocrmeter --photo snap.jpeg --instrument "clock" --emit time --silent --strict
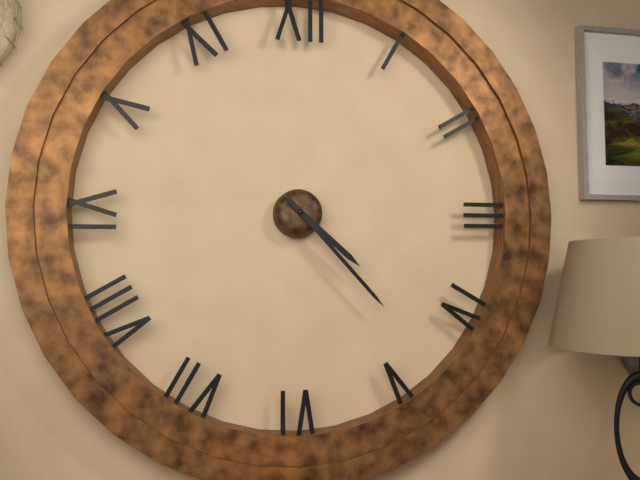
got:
4:23
